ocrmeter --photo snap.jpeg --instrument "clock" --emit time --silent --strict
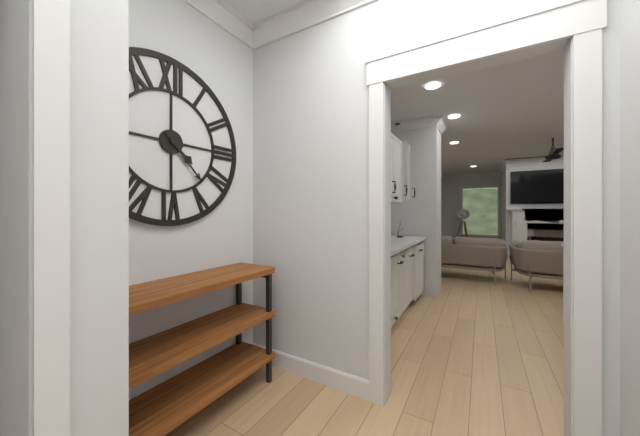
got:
4:23
